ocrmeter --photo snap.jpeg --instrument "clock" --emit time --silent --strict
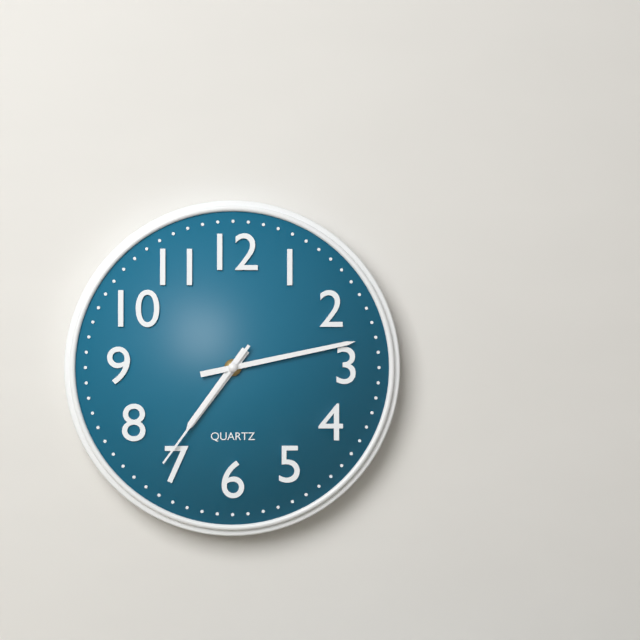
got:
7:13:36
